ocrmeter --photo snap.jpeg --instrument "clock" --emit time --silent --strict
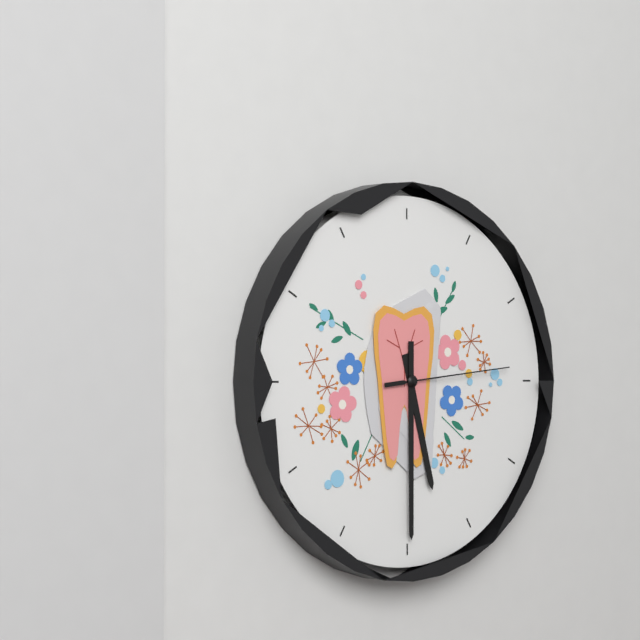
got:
5:30:14
